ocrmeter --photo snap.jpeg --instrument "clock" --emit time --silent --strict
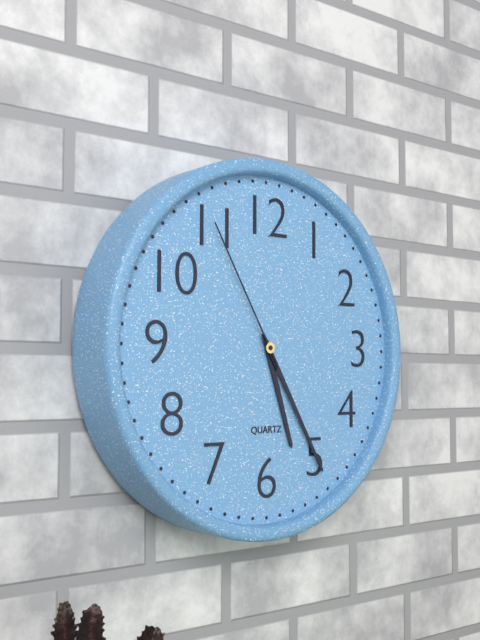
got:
5:25:55
